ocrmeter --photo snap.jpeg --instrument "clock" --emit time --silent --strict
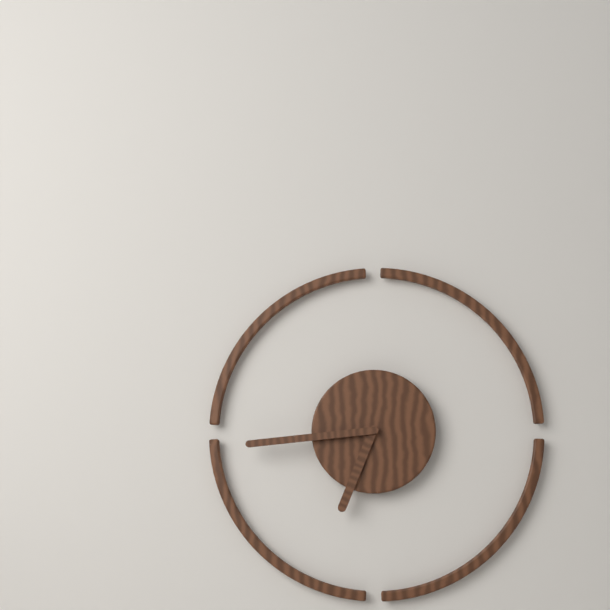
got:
6:44
